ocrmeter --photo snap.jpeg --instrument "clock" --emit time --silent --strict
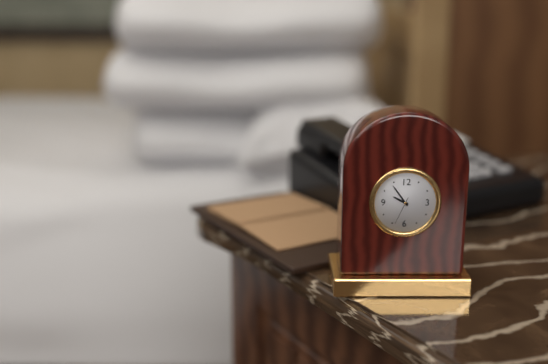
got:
9:54
